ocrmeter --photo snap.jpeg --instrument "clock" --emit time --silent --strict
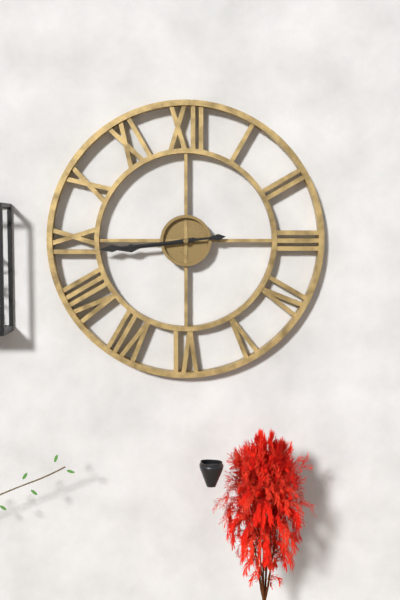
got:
8:44
